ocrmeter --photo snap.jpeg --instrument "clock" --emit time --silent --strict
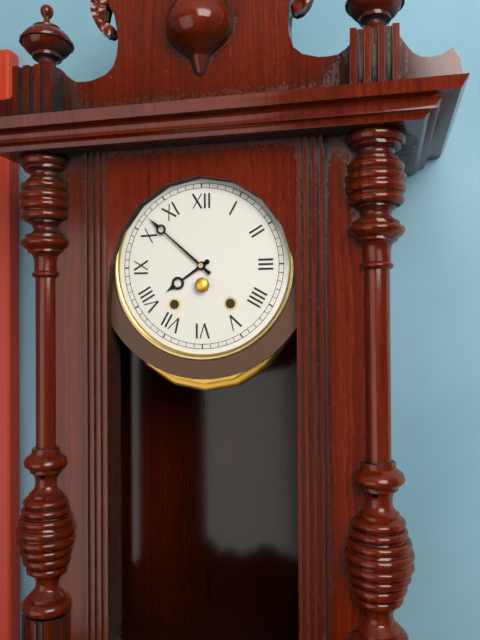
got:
7:52
